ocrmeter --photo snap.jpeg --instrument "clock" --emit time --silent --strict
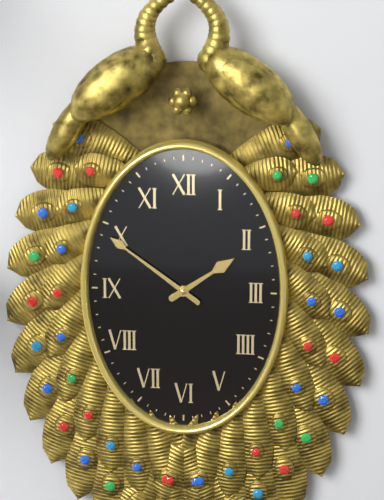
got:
1:51
